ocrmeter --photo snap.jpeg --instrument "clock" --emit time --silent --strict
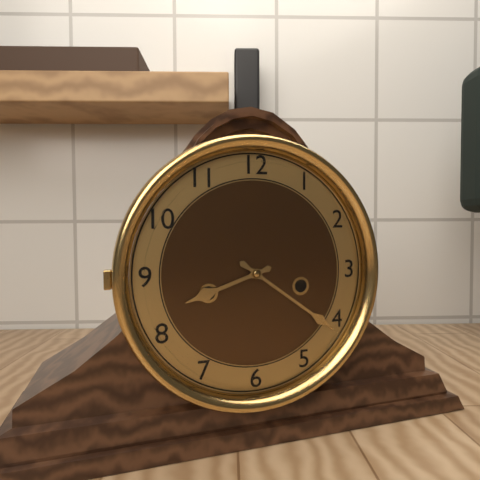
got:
8:21
